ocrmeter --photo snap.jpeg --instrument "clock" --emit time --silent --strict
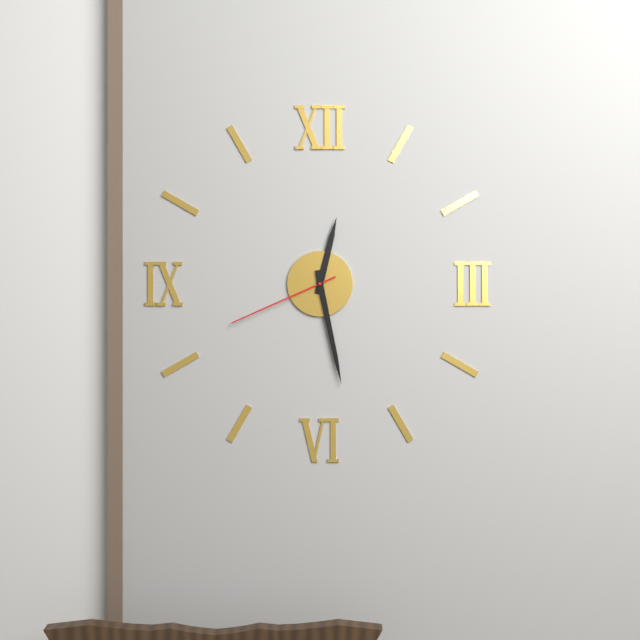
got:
12:28:41
